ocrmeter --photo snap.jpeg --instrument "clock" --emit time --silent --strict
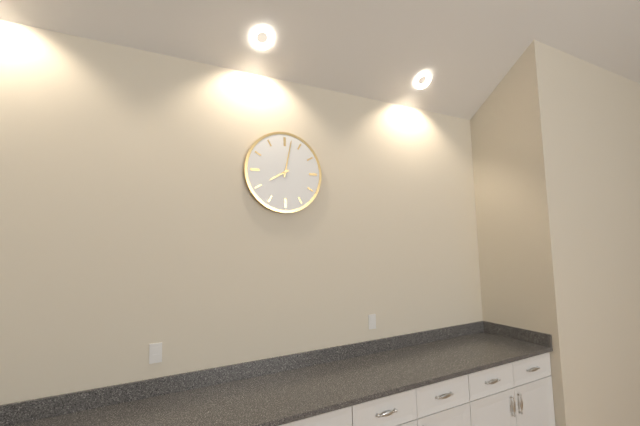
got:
8:02
